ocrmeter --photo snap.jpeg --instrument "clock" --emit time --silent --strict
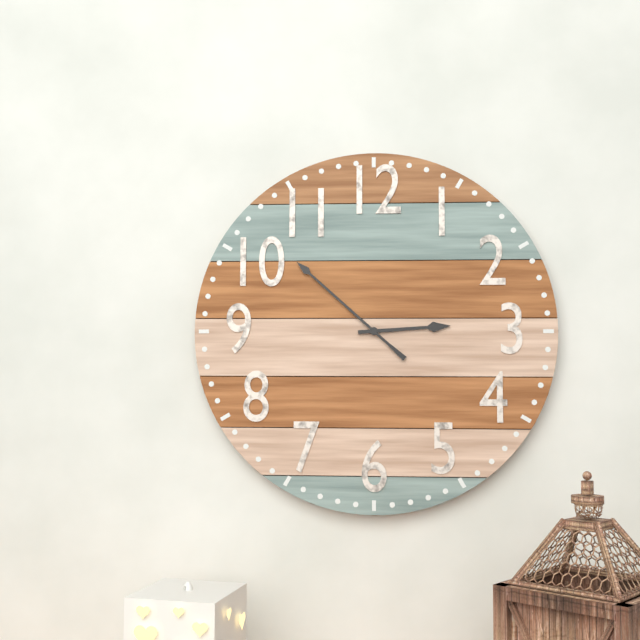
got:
2:52
